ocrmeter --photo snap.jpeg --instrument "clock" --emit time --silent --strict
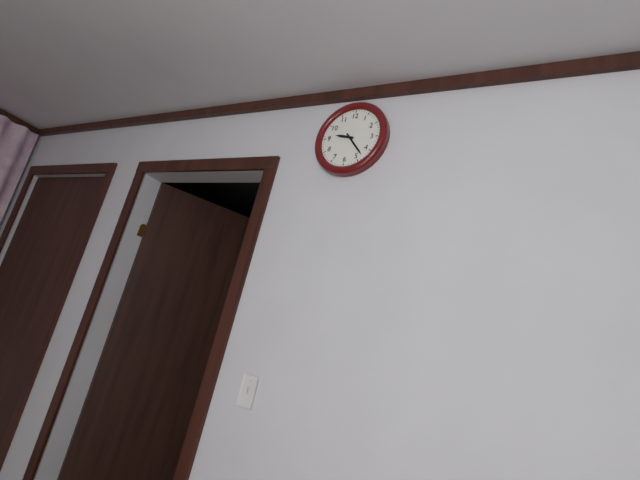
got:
9:23
